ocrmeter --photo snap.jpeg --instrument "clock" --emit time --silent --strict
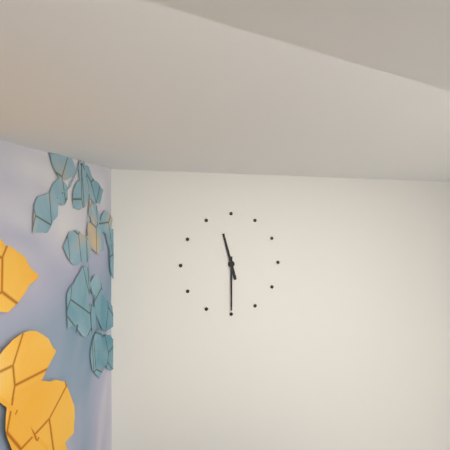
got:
11:30
